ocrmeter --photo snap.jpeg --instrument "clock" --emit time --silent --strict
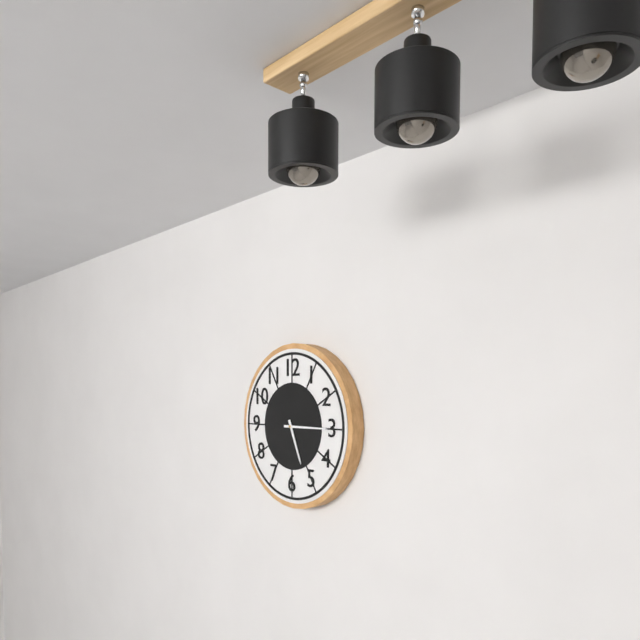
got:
5:15
